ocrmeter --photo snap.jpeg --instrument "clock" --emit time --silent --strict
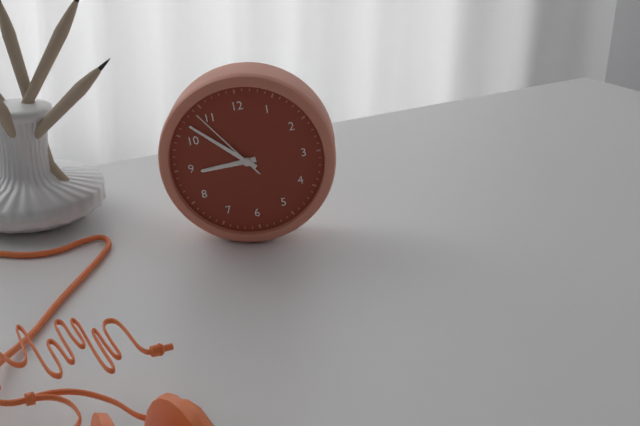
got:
8:52:54
